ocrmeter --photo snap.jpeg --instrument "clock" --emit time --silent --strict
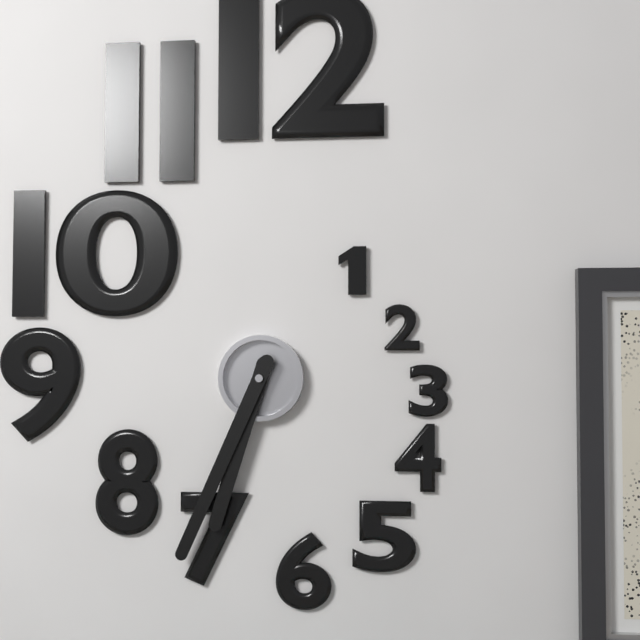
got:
6:34
